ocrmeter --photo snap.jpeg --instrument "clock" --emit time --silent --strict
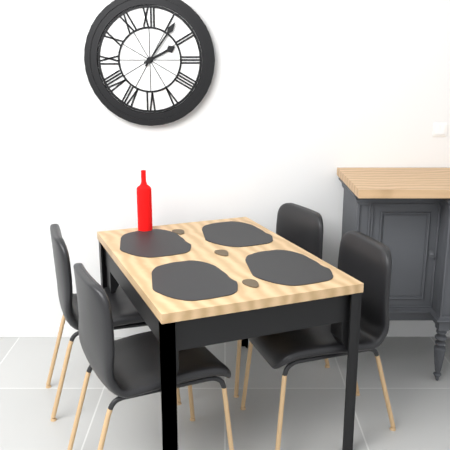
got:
2:06
